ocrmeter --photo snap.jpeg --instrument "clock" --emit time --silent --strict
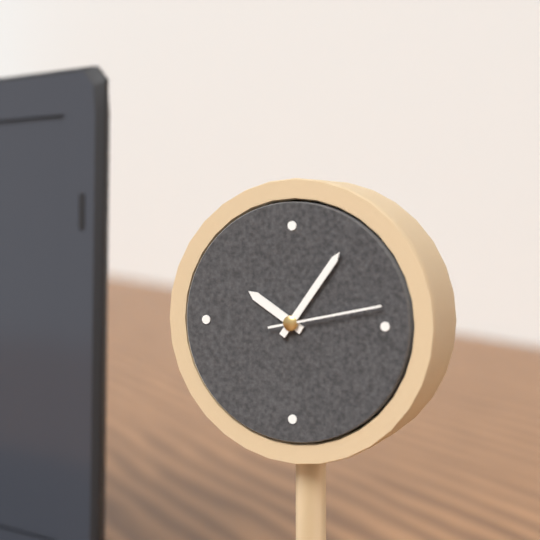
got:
10:06:13
